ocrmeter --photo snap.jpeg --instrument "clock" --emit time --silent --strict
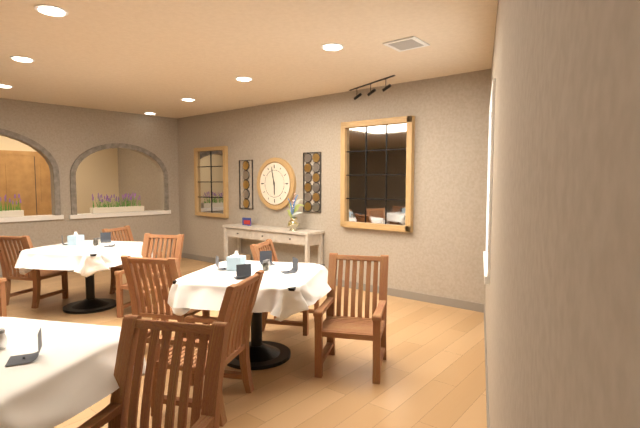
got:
5:58
